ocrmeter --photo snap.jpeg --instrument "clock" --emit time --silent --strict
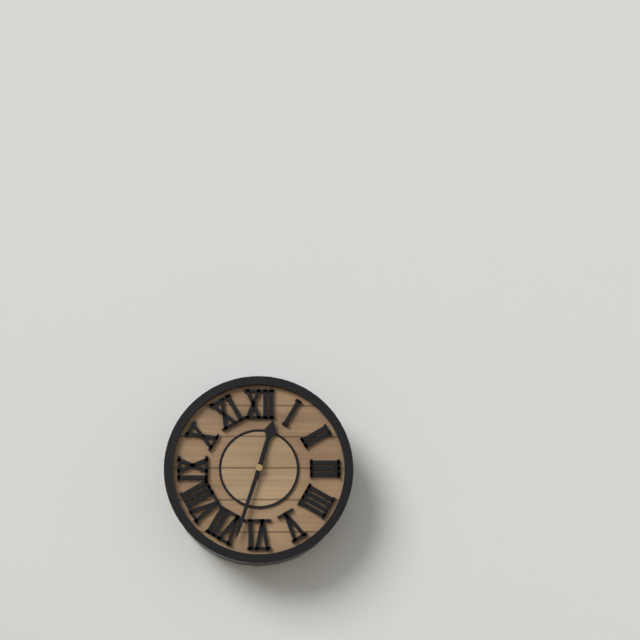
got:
12:33
